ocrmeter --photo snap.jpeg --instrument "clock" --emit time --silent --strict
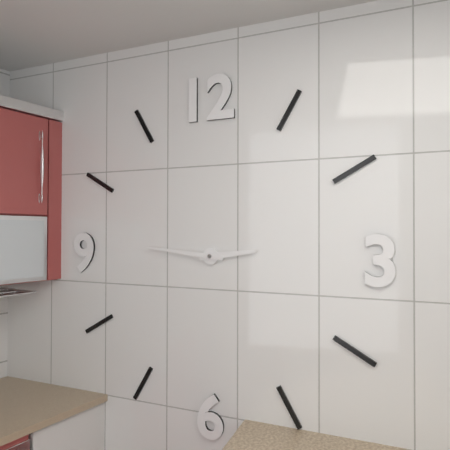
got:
2:46
